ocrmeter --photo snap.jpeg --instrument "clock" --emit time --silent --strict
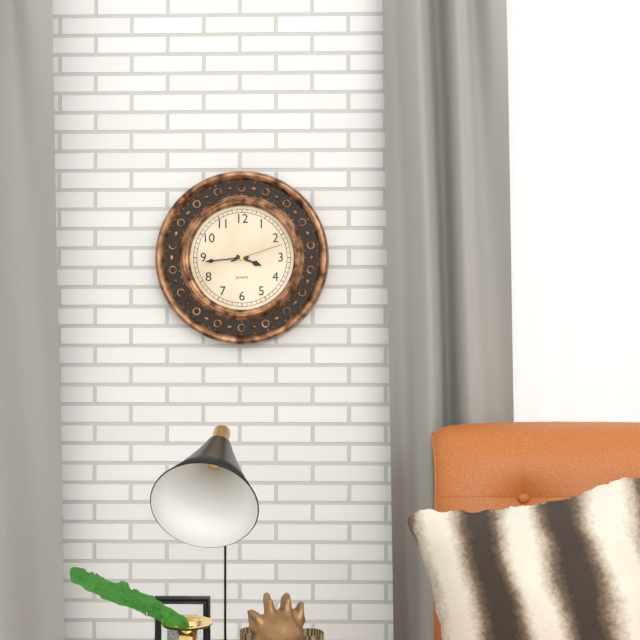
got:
3:44:12
